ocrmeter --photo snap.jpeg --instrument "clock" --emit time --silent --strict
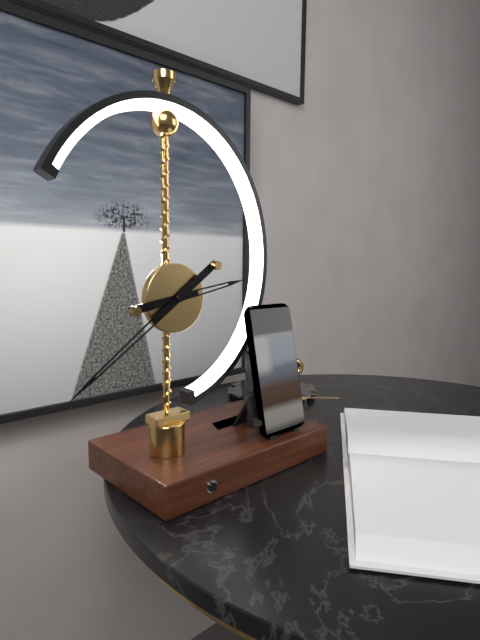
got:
2:39
